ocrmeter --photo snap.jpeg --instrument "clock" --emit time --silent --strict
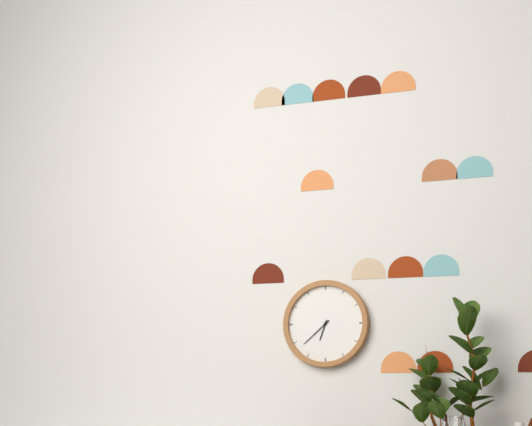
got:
6:38
